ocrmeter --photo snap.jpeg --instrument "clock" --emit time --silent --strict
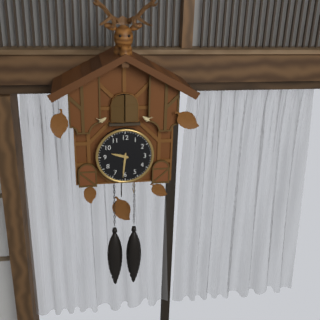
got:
9:31
